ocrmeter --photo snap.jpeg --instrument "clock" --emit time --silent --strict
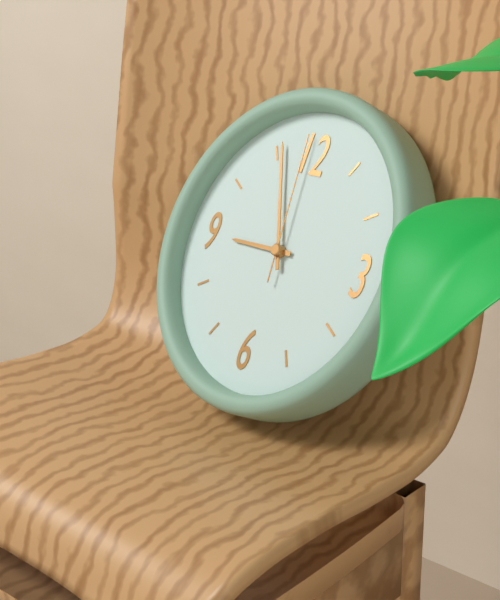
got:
8:56:59
